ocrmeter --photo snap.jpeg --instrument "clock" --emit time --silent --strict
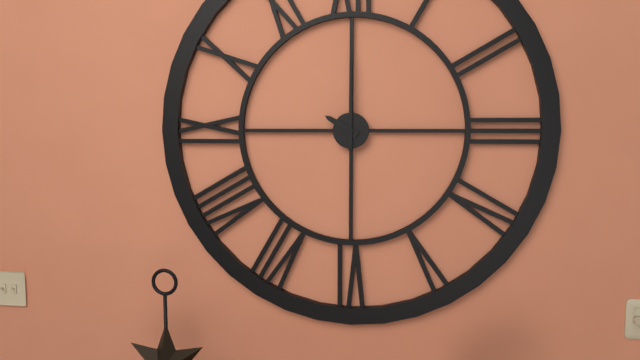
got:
10:00
